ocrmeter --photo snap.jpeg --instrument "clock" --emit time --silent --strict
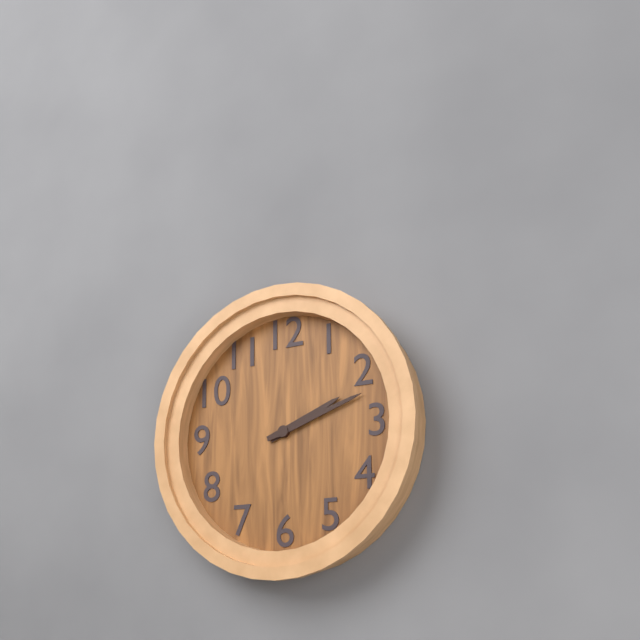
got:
2:12
